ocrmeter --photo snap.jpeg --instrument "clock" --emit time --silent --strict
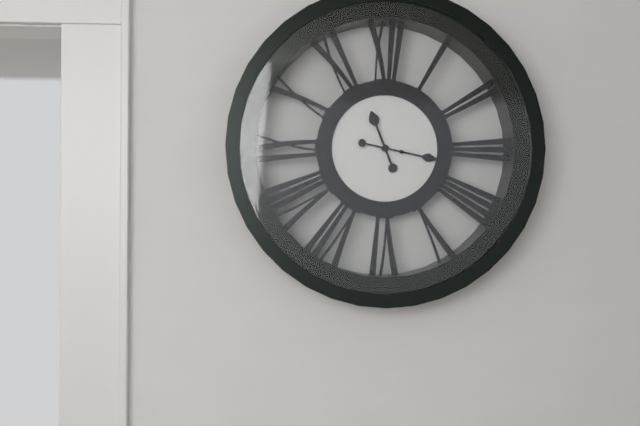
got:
11:17
